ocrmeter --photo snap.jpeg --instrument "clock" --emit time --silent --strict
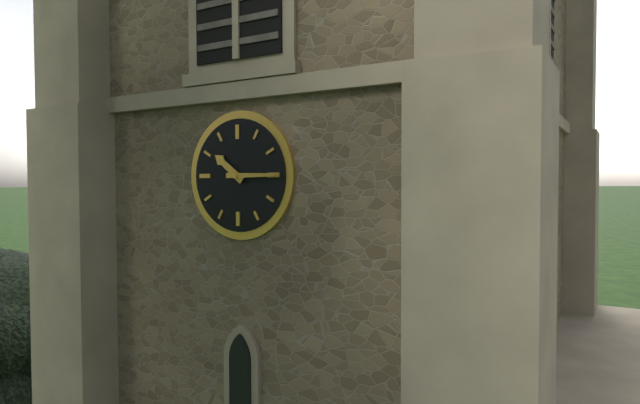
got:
10:15
